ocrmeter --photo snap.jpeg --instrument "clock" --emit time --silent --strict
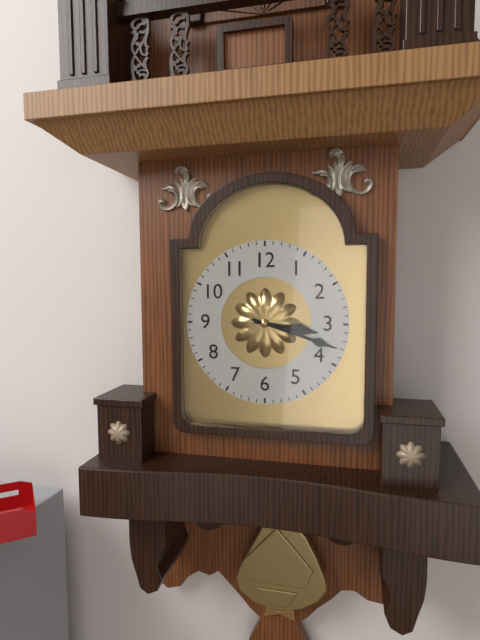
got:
3:18
